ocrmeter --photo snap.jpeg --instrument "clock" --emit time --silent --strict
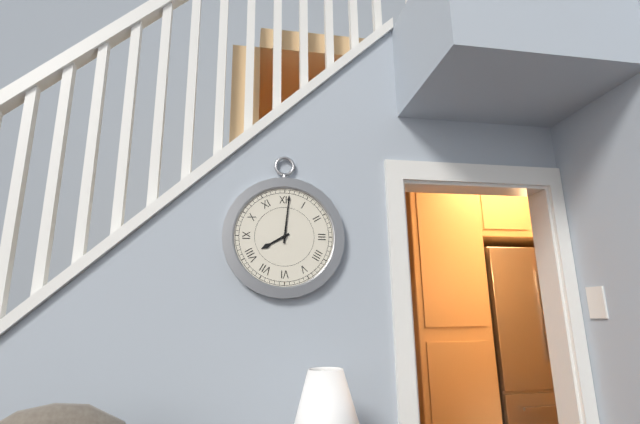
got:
8:01
